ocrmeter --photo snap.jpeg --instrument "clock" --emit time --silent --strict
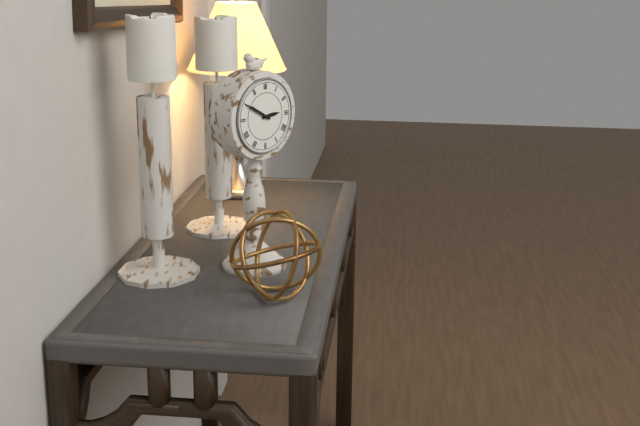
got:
2:50
